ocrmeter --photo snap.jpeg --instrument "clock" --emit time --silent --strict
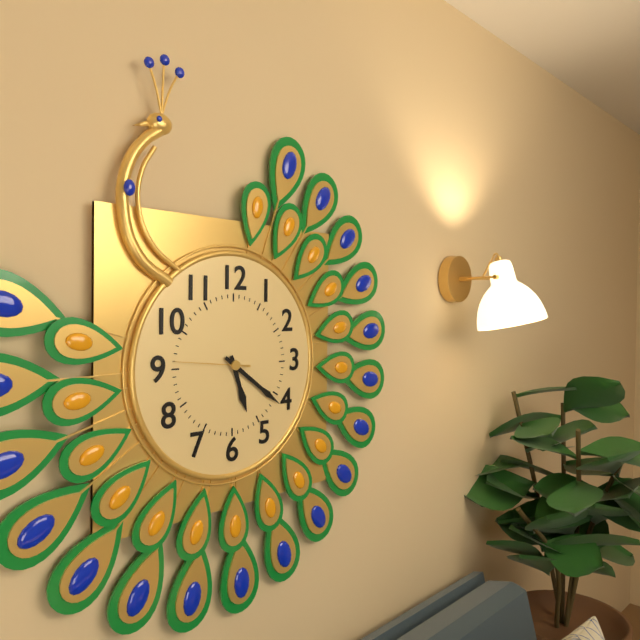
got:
5:21:46
